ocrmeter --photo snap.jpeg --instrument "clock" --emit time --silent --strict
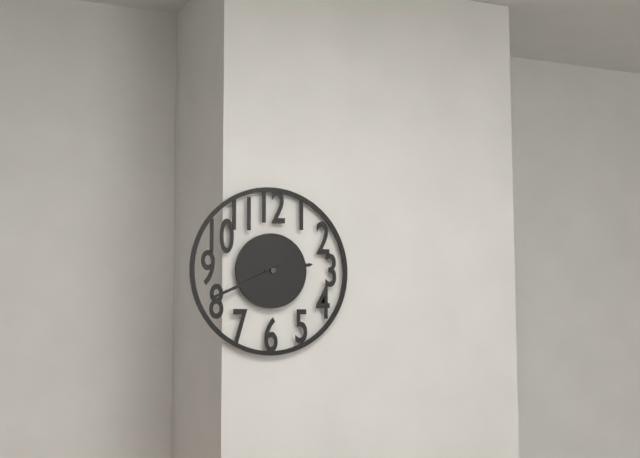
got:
2:41
